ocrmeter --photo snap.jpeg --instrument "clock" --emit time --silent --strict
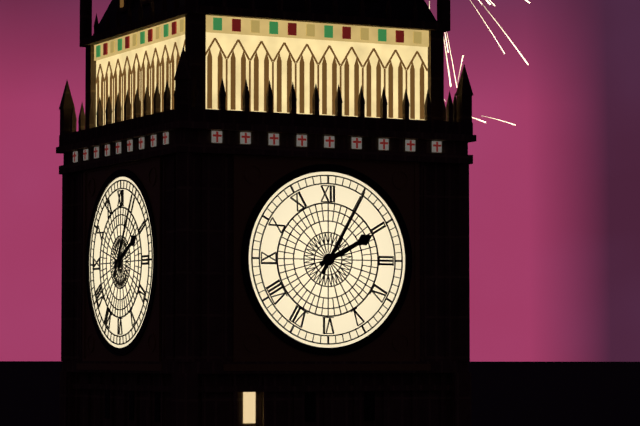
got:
2:05
